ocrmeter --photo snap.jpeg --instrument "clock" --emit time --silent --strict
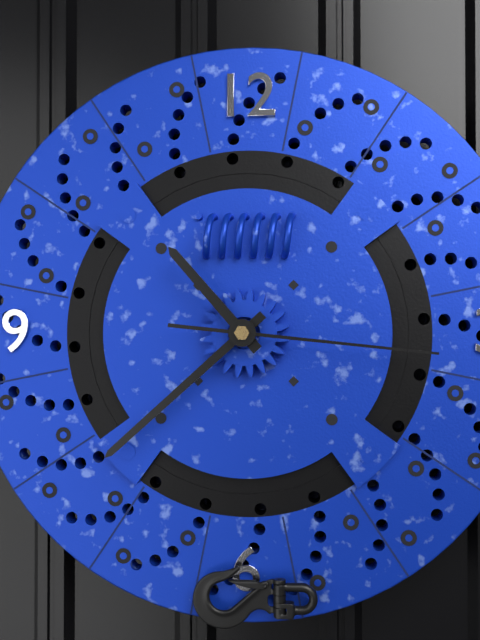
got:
10:38:16
